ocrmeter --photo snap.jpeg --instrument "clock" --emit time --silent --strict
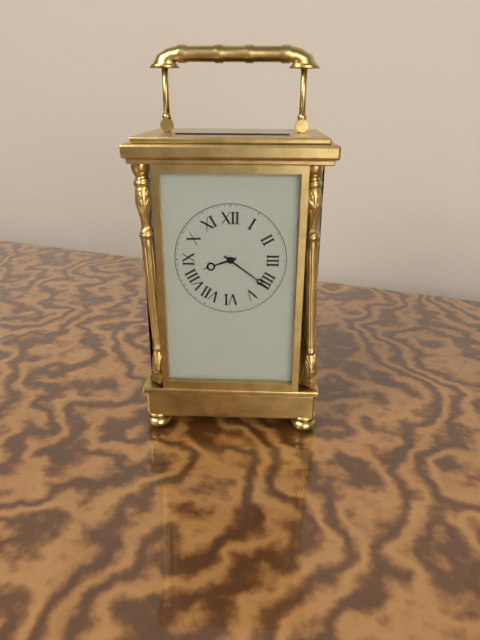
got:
8:21
